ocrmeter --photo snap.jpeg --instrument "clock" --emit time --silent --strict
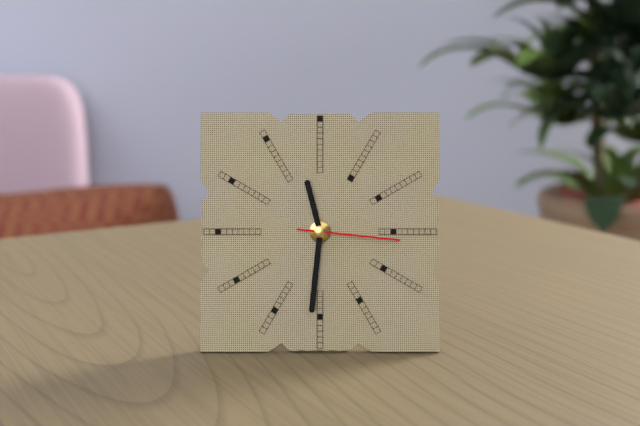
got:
11:31:16
